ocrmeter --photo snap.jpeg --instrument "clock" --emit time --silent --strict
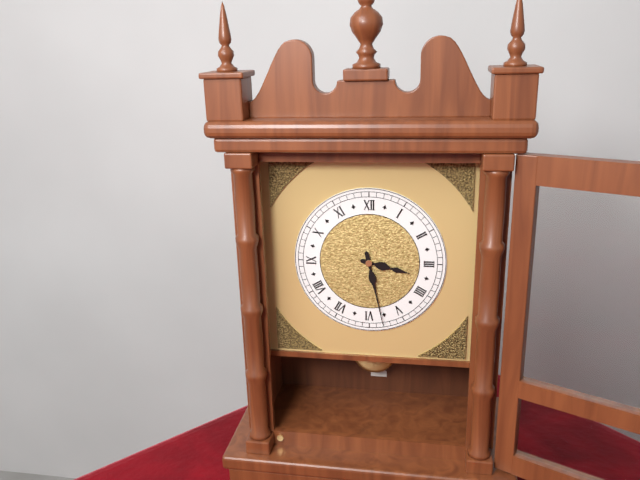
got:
3:28
